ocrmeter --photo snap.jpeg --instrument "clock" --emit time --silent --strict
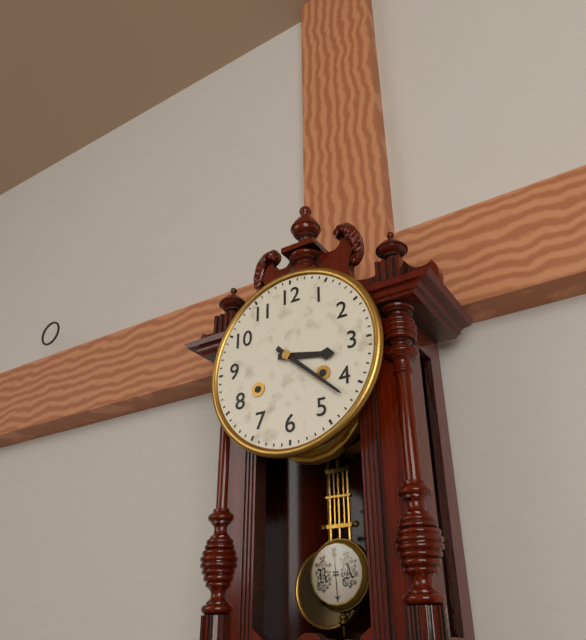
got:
3:22
